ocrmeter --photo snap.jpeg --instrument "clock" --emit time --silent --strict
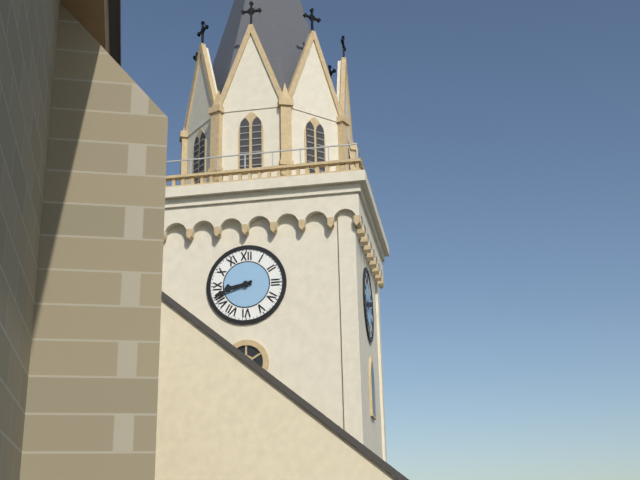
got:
8:42
